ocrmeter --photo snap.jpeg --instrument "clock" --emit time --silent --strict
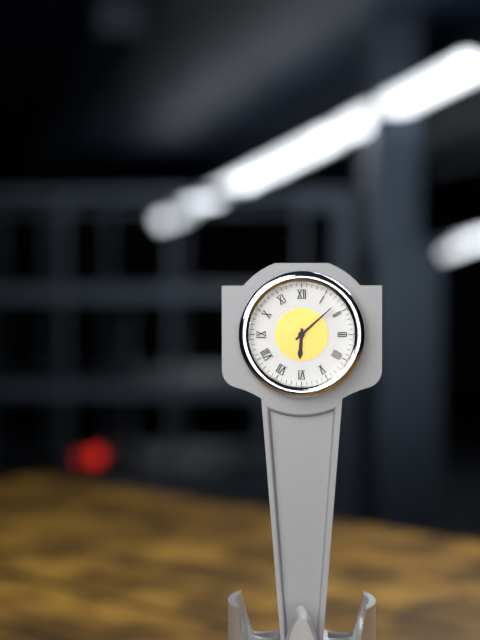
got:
6:08
